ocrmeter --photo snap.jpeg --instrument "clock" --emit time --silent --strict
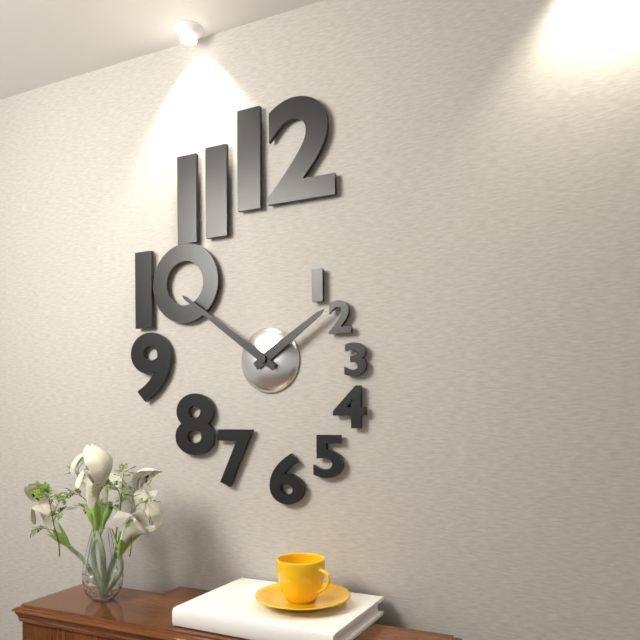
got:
1:51
